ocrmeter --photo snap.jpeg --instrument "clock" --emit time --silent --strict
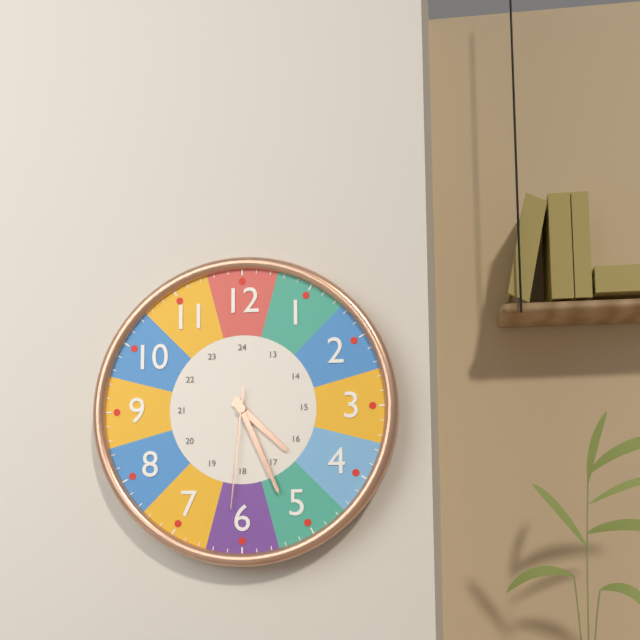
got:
4:26:31
